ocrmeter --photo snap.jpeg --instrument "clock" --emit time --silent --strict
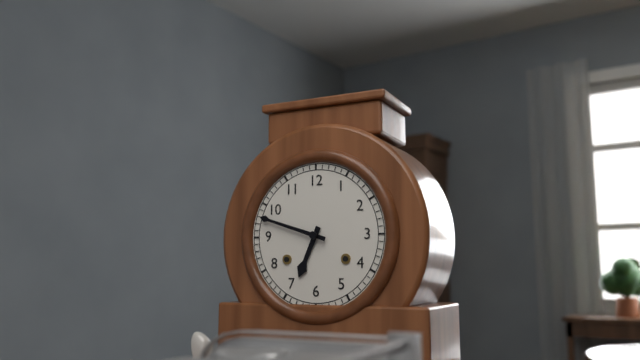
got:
6:48
